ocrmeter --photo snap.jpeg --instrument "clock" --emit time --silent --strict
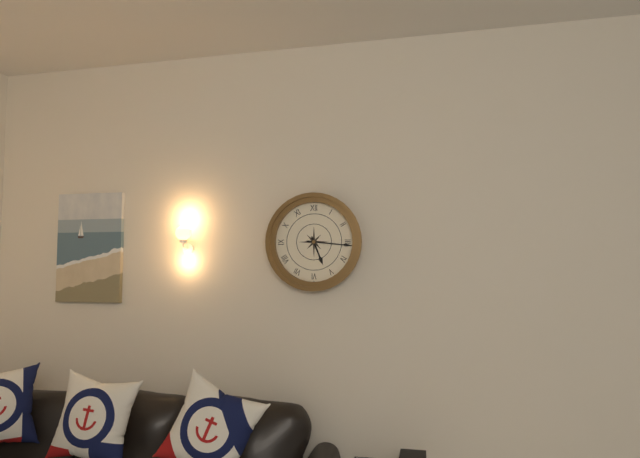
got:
5:16
